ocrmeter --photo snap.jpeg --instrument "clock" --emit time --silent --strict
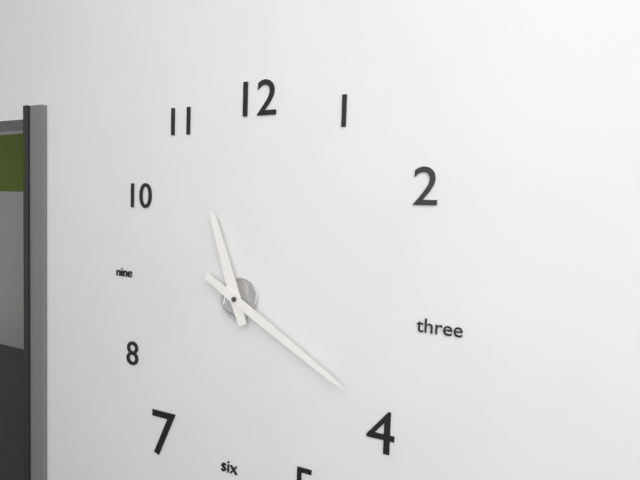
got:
11:20
